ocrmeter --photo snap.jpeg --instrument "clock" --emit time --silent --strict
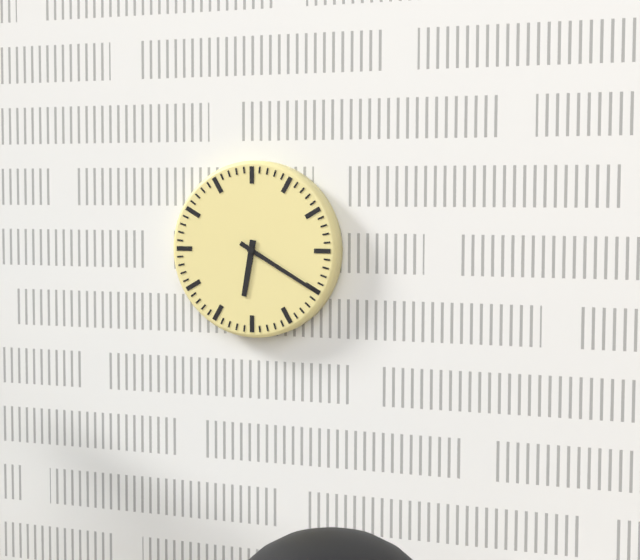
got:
6:20
